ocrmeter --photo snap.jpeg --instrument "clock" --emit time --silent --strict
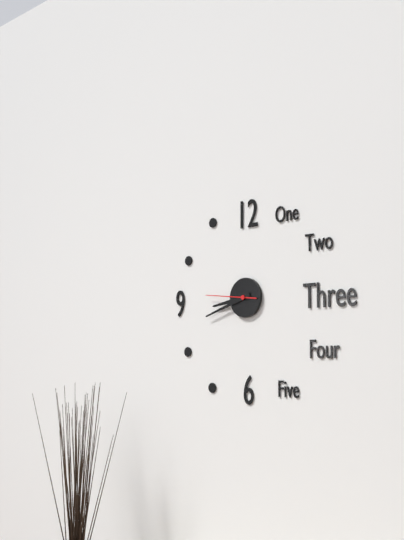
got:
8:42
